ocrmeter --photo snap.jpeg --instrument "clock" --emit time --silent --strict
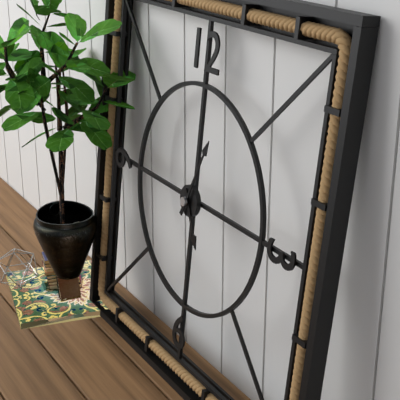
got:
5:04
